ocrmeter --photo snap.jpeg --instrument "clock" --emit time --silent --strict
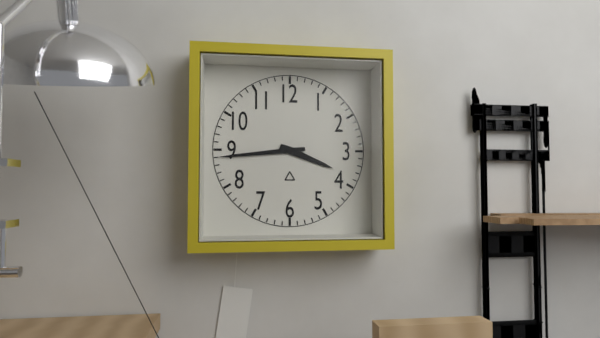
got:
3:44
